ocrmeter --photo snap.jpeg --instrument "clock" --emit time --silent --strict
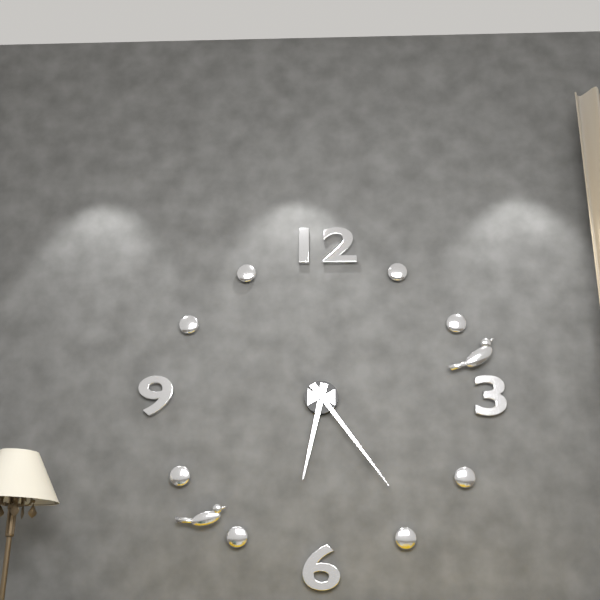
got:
6:24
